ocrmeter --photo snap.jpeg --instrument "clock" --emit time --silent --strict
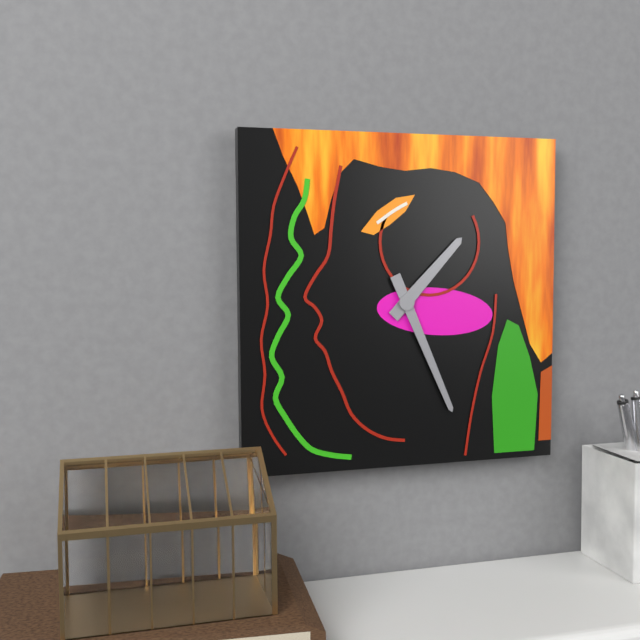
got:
1:26
